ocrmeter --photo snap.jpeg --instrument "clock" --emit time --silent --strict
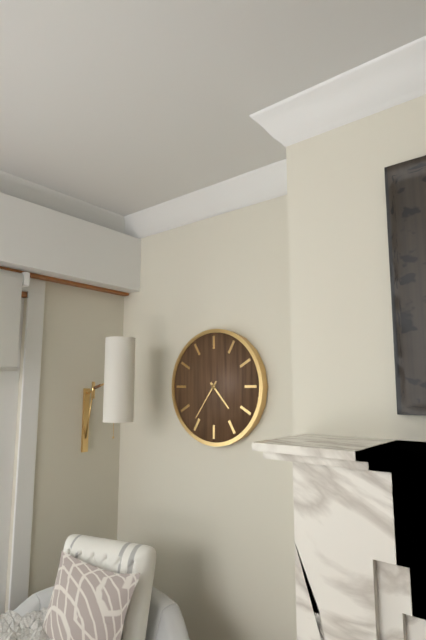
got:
4:36
